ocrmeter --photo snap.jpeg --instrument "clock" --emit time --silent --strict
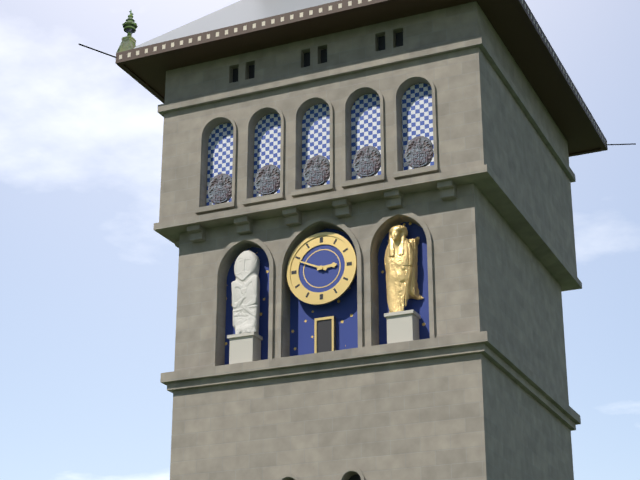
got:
2:49
